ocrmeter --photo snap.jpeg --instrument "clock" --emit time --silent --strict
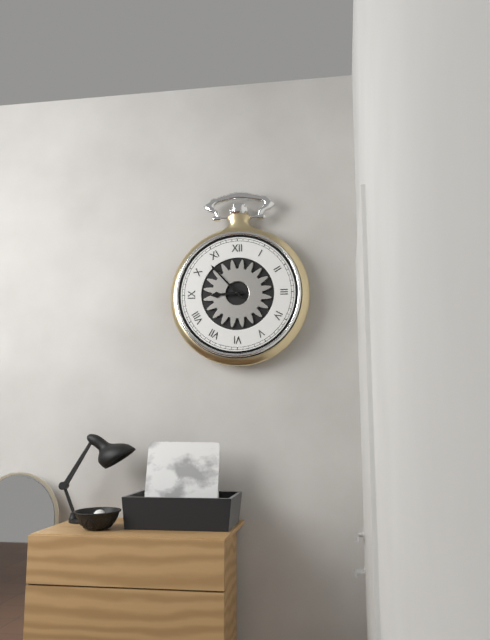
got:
8:53
